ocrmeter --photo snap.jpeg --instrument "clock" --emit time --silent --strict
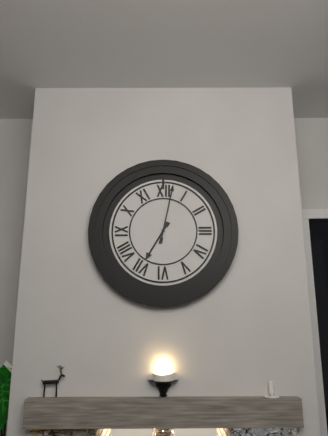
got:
7:02
